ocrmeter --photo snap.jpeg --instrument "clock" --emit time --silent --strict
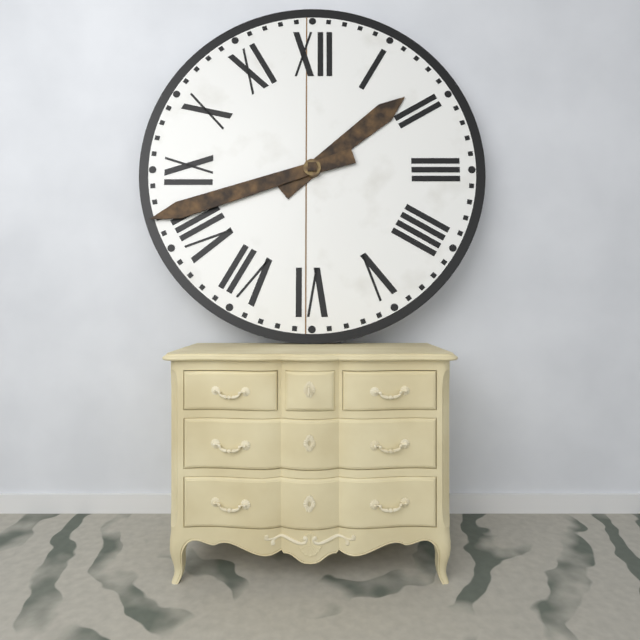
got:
1:42
